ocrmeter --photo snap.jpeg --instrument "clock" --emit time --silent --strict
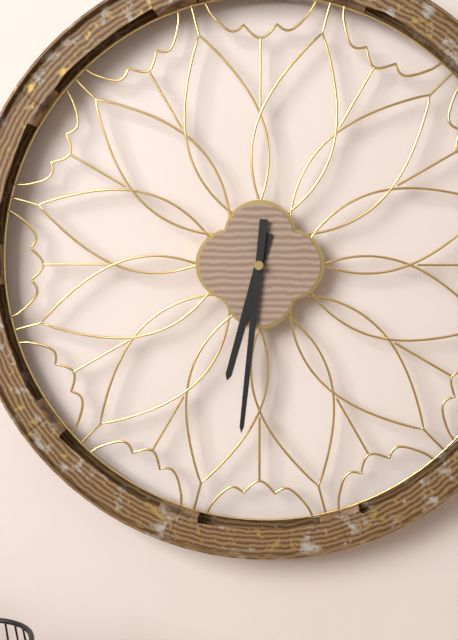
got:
6:31
